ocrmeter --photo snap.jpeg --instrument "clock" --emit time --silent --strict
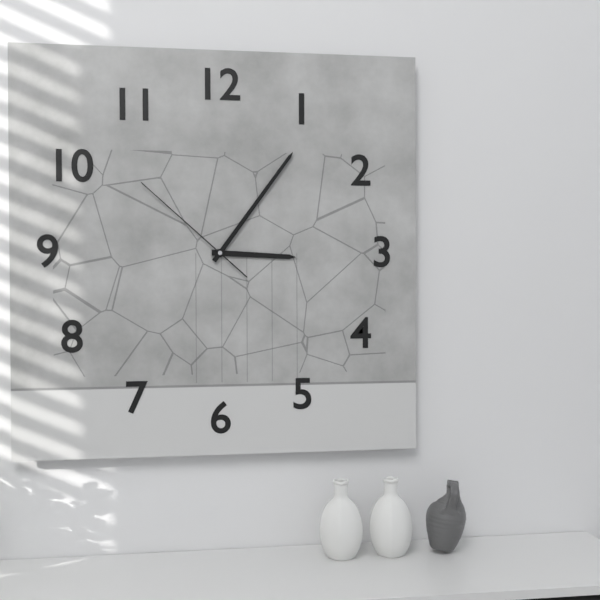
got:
3:06:52
